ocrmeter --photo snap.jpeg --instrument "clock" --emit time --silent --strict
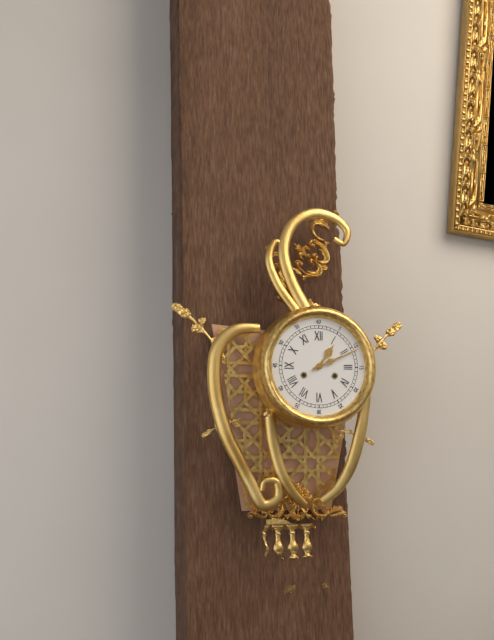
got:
1:11
